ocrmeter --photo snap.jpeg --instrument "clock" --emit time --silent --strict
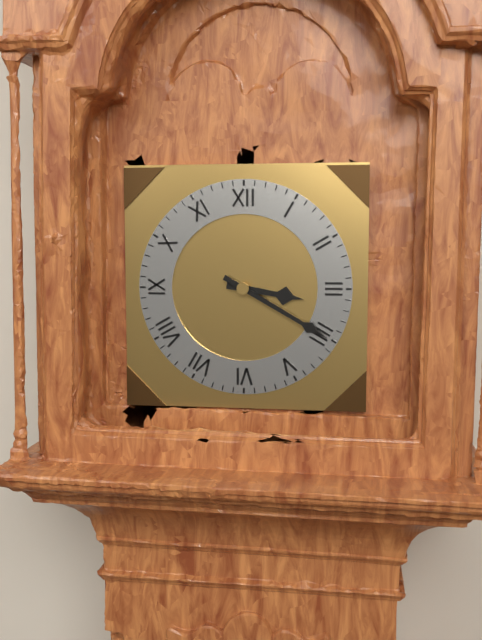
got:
3:20
